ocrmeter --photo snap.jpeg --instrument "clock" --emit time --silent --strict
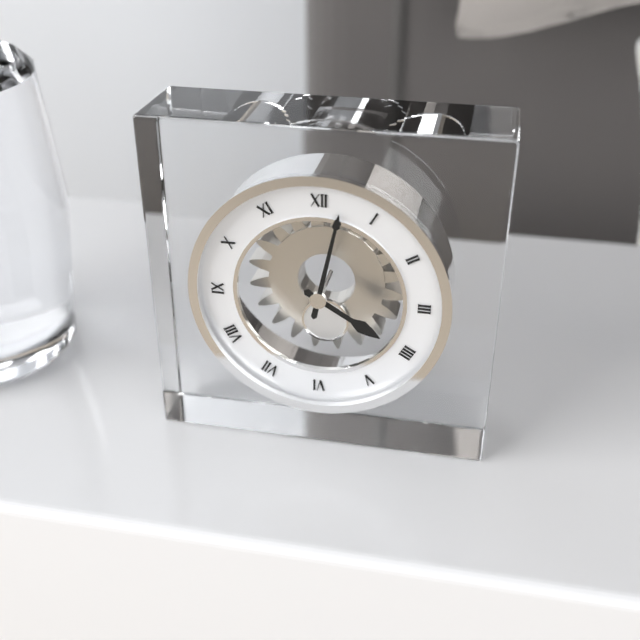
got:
4:02
